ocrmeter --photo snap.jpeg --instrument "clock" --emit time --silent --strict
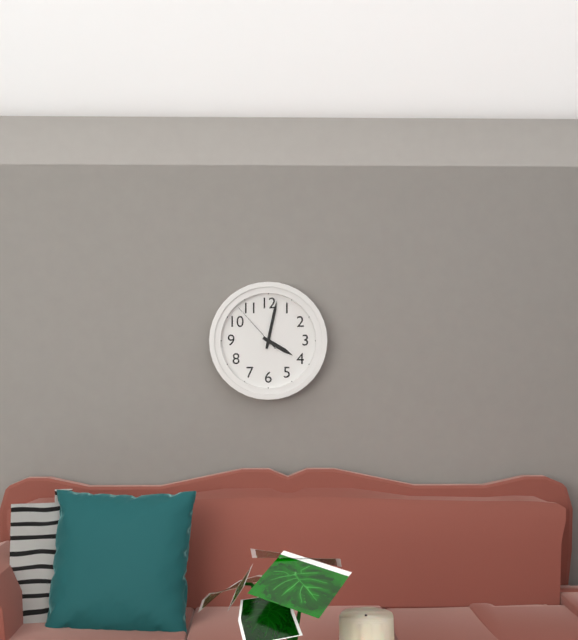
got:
4:02:53
